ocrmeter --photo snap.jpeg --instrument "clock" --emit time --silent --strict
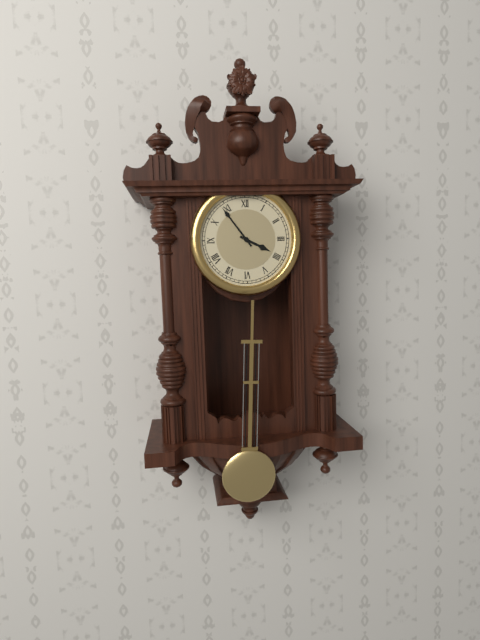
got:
3:54
